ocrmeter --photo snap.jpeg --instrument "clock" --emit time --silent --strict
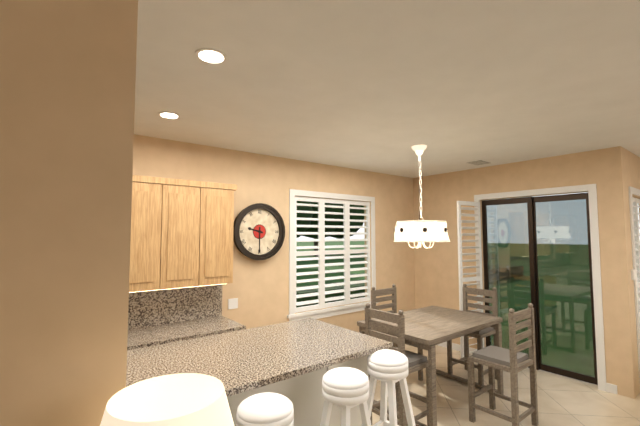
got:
9:30
